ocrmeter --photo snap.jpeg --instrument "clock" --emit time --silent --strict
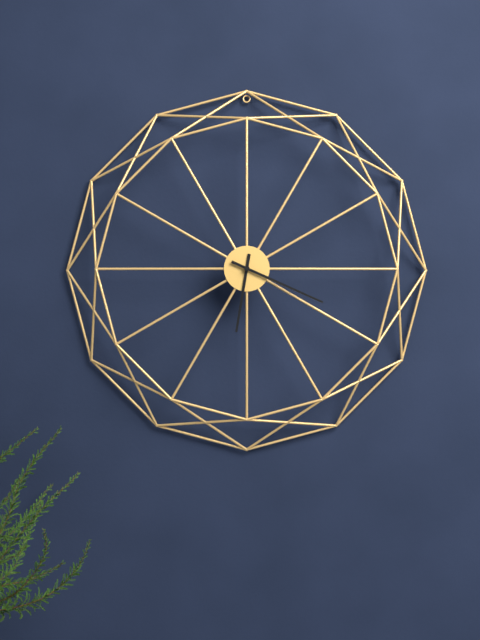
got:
6:19
